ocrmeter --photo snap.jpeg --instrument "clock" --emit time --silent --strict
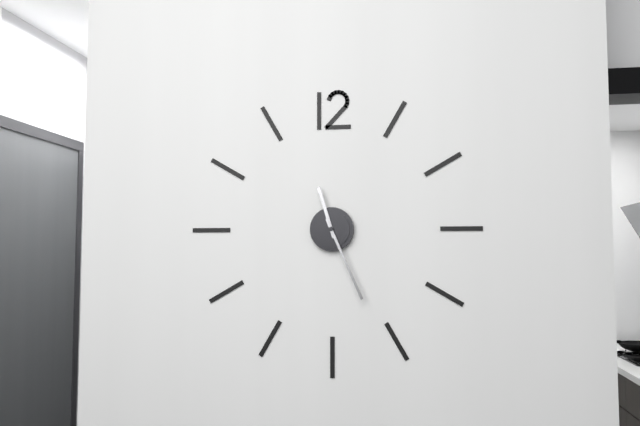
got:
11:26
